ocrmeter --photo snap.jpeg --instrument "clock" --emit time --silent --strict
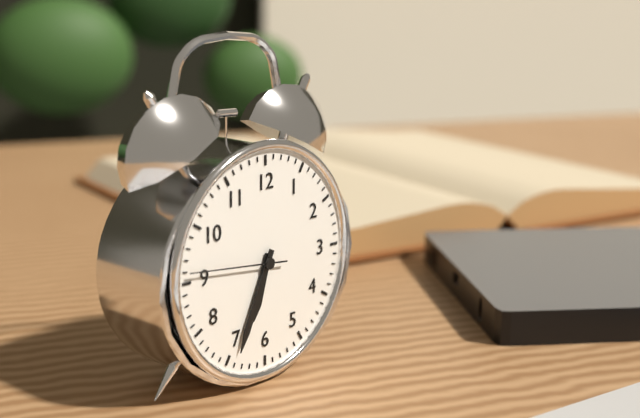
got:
6:34:46
